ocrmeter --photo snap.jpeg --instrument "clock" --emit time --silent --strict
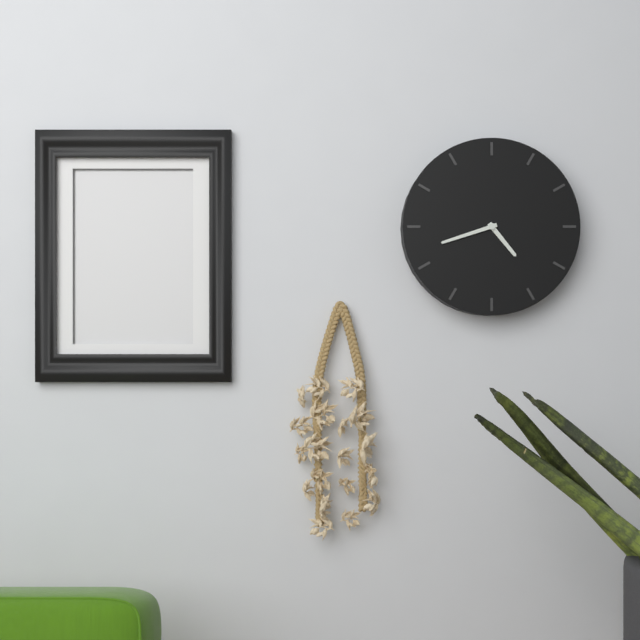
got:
4:42
